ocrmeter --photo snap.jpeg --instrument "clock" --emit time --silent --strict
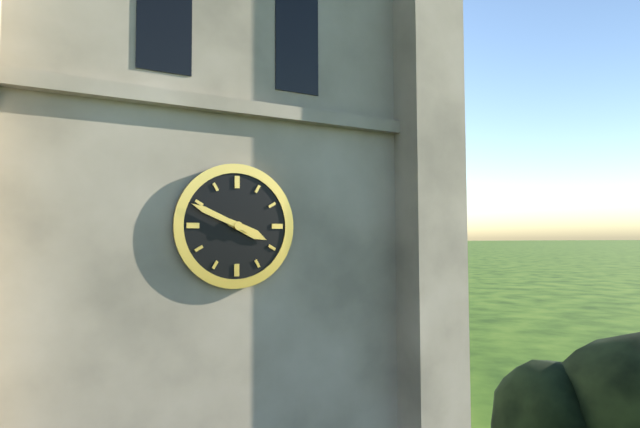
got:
3:49
